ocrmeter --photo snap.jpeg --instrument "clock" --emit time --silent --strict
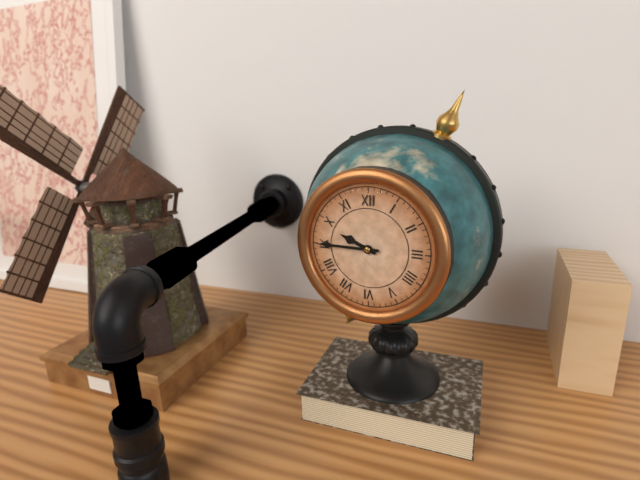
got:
9:45
